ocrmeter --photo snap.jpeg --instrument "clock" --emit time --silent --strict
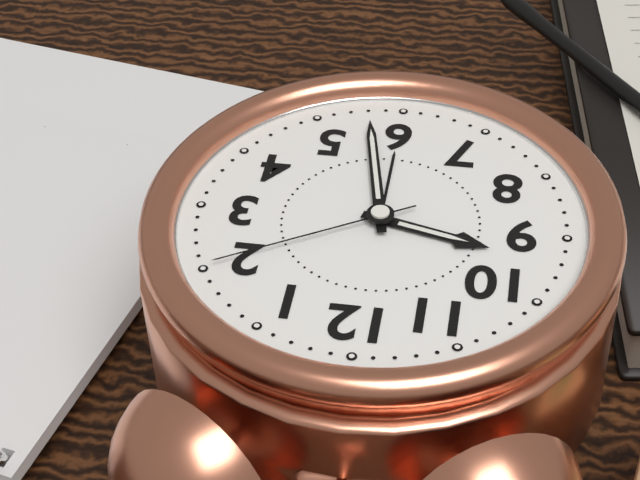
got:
9:28:10
